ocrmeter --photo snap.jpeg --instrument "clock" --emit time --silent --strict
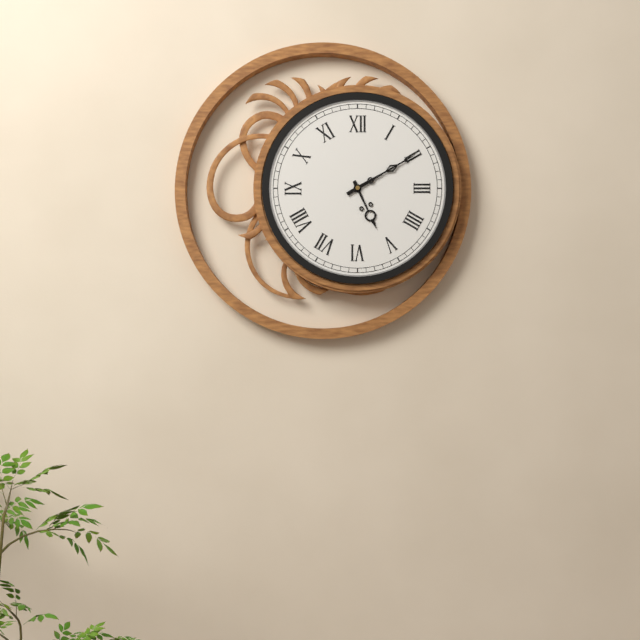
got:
5:10
